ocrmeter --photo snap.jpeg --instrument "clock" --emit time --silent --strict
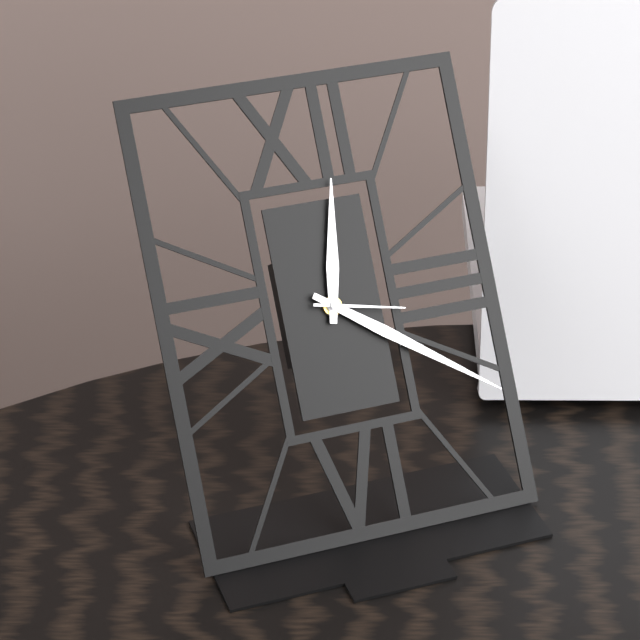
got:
12:21:17
